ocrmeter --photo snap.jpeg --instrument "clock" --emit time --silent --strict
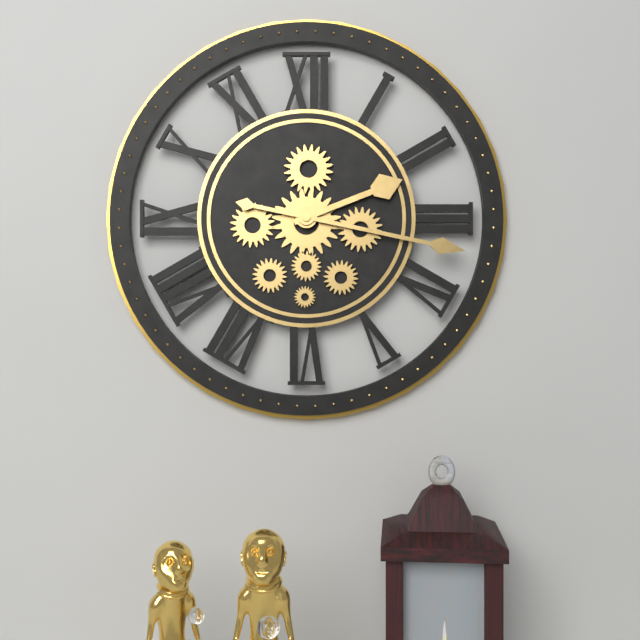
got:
2:17
